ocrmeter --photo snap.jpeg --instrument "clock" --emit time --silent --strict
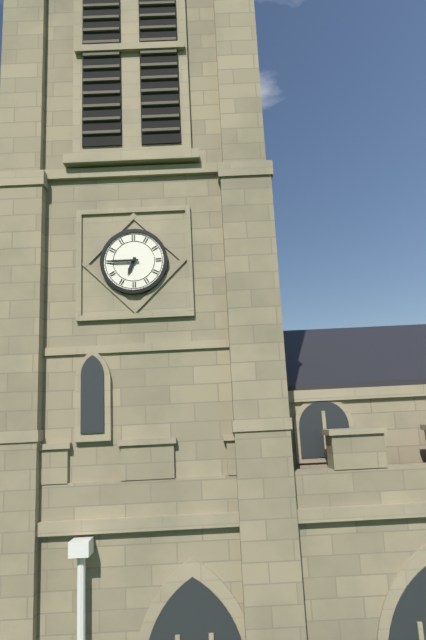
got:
6:45
